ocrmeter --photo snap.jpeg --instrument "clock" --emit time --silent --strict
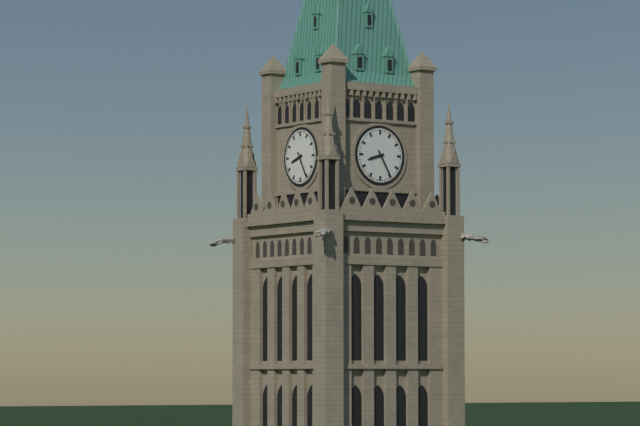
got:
8:25
